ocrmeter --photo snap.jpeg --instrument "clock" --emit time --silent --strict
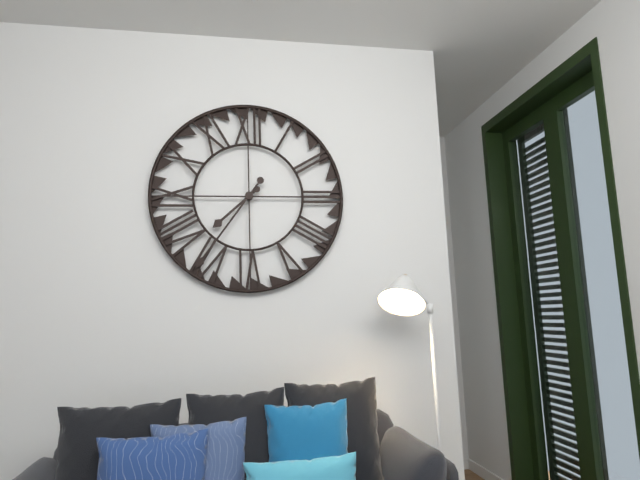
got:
7:36
